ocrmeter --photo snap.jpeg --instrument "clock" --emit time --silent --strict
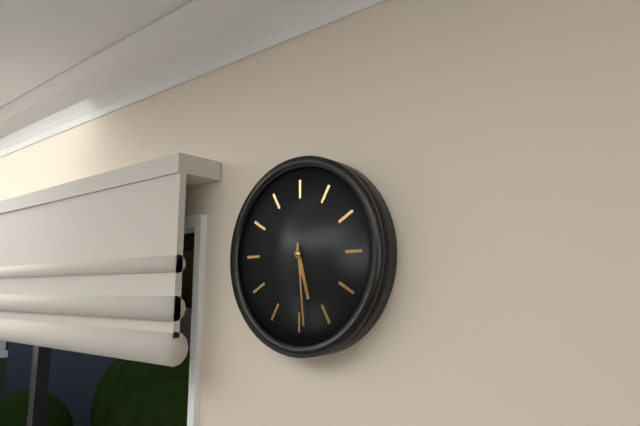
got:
5:29
